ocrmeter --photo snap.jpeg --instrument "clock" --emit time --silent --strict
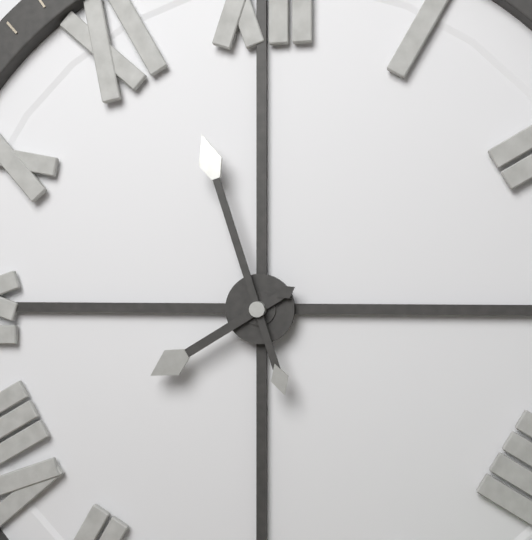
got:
7:57
